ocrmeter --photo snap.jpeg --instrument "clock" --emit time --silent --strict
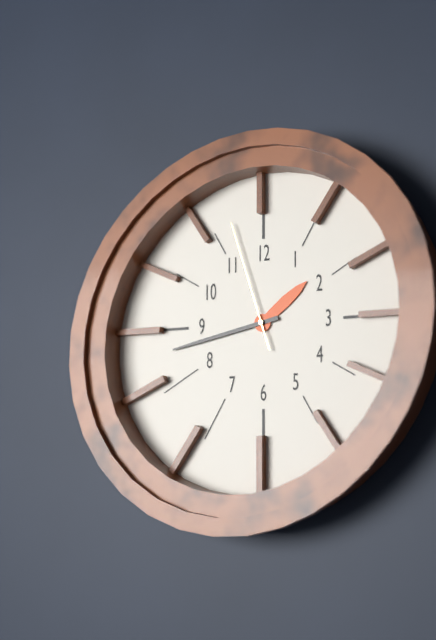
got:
1:43:57
